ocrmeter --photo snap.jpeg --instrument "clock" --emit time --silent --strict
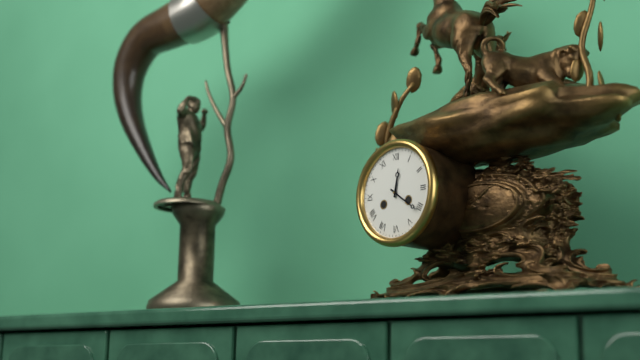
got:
12:21
